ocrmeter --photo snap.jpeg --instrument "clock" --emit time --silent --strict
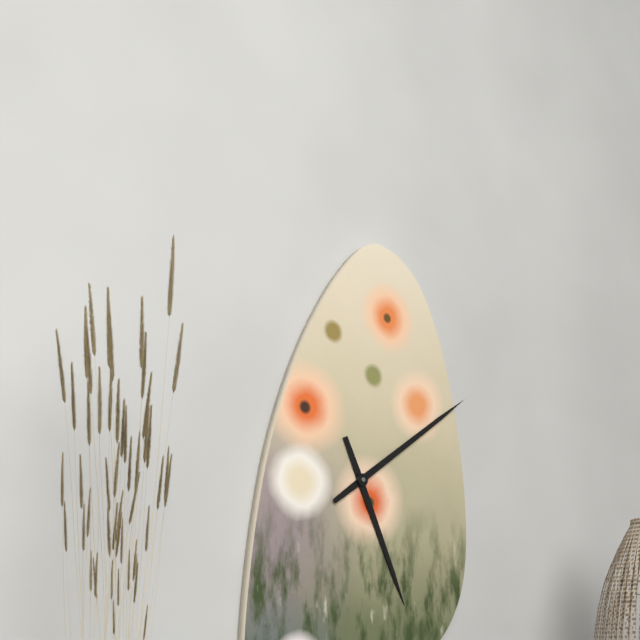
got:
5:09
